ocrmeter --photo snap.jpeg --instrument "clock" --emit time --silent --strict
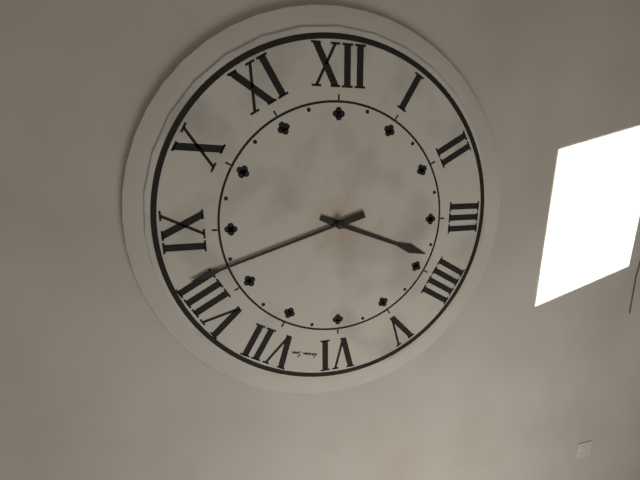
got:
3:42
